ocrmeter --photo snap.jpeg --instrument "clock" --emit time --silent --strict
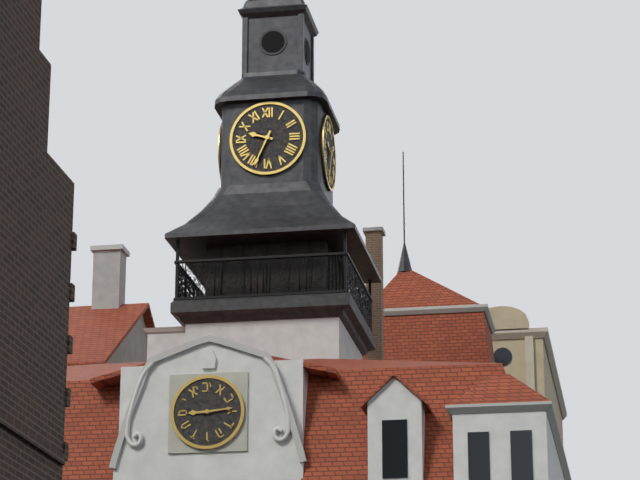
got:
9:34
